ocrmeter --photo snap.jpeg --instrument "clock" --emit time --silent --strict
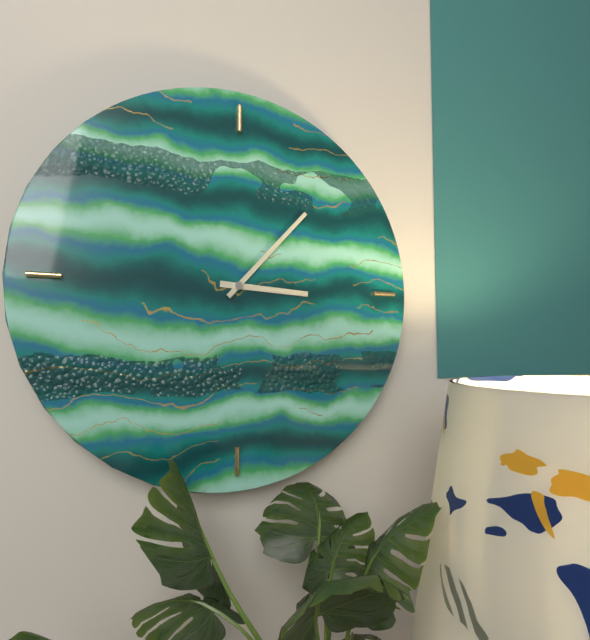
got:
3:07
